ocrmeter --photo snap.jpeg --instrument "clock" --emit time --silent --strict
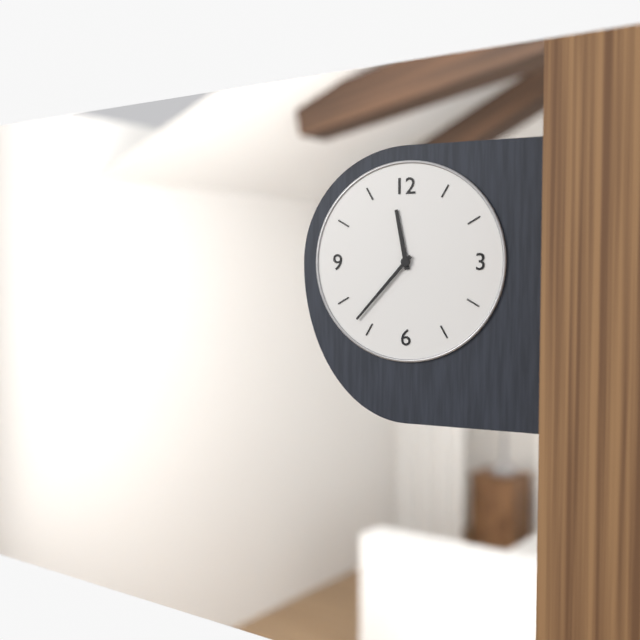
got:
11:37
